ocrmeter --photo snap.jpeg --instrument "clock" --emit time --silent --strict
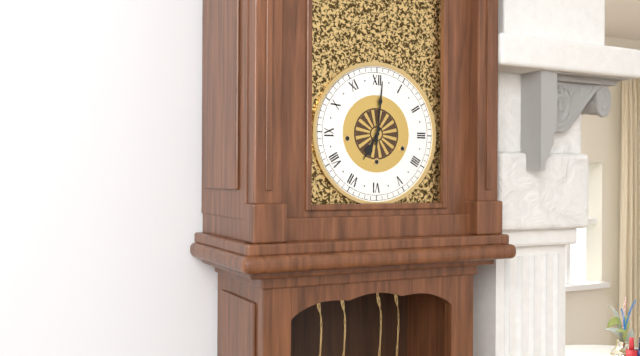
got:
7:01
